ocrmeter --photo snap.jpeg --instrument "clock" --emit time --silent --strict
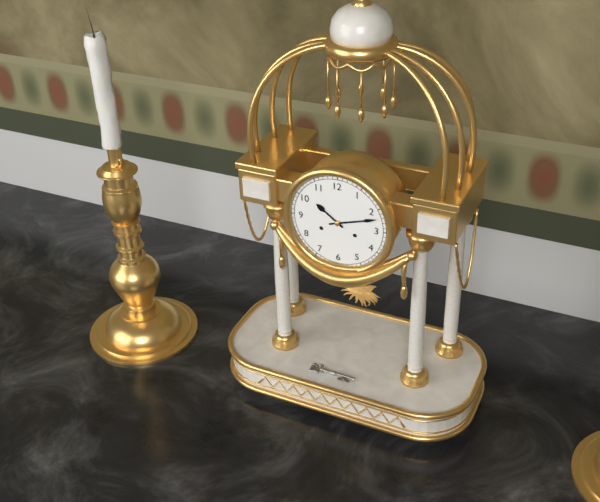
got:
10:12
